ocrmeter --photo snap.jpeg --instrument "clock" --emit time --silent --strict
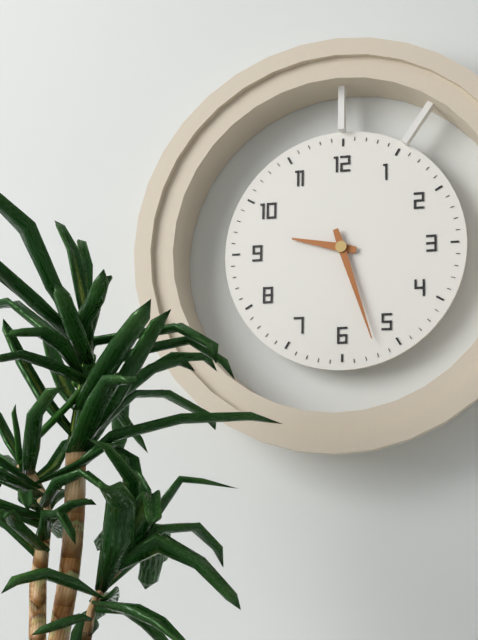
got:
9:27
